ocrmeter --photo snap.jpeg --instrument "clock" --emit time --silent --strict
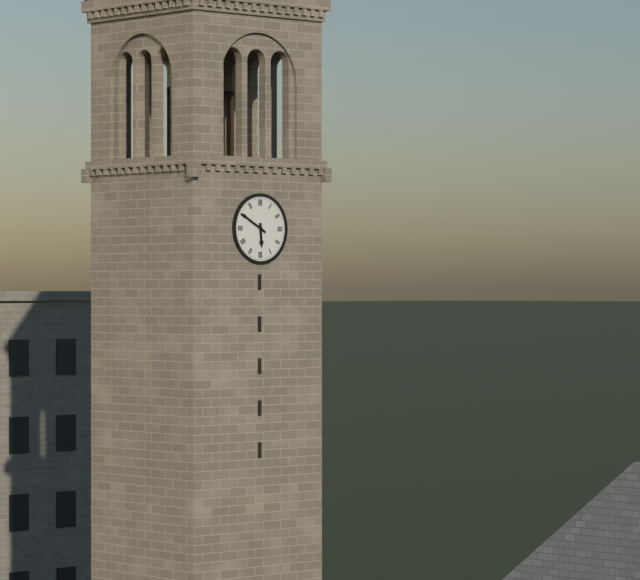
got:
5:50
